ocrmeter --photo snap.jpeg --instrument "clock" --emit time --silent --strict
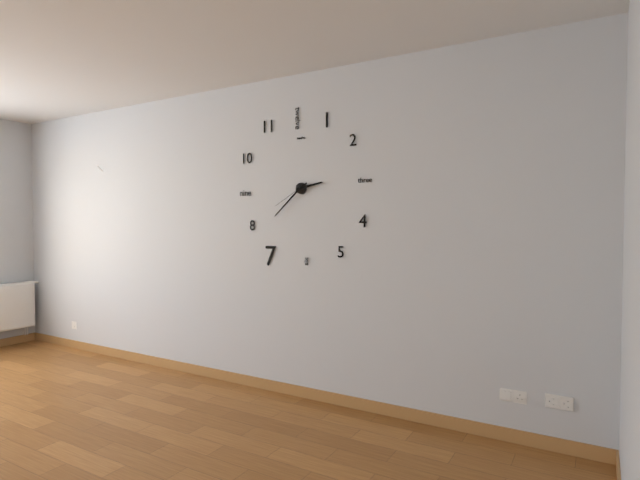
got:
2:38
